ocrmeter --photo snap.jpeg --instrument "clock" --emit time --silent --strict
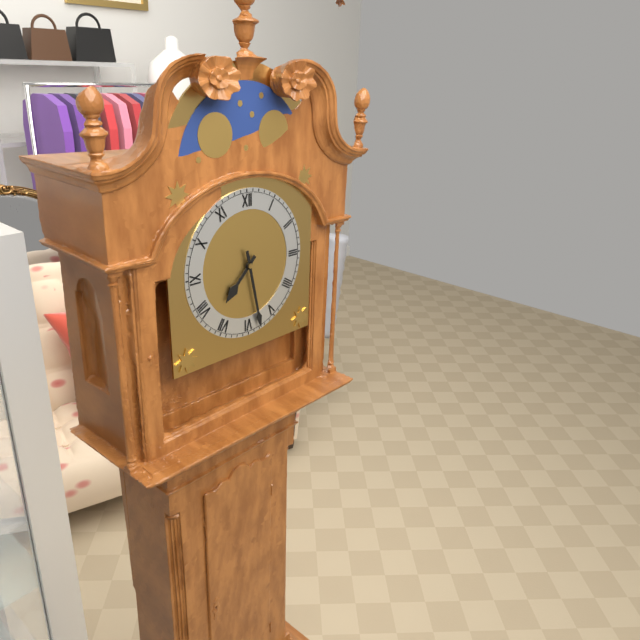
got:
7:28
